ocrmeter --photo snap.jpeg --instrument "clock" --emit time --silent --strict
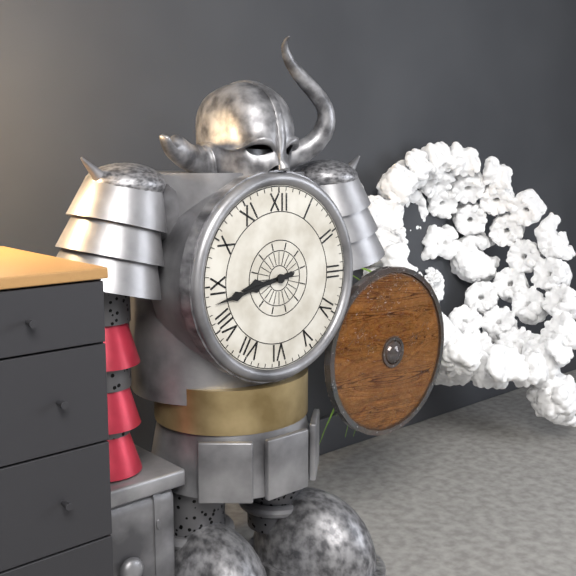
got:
8:43
